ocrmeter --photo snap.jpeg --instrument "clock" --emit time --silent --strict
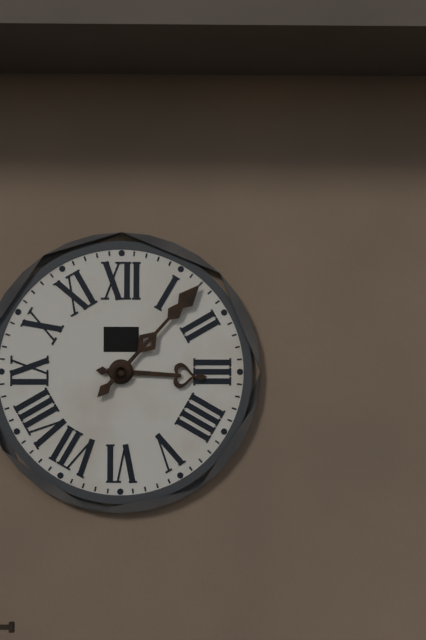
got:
3:07
